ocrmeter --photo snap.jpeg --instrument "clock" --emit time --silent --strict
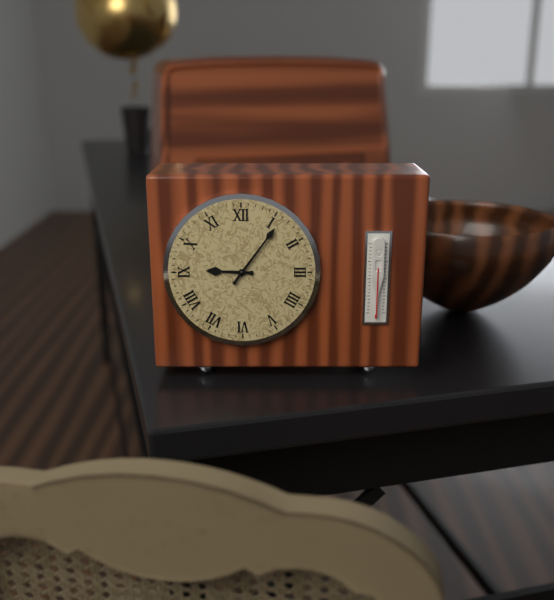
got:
9:06
